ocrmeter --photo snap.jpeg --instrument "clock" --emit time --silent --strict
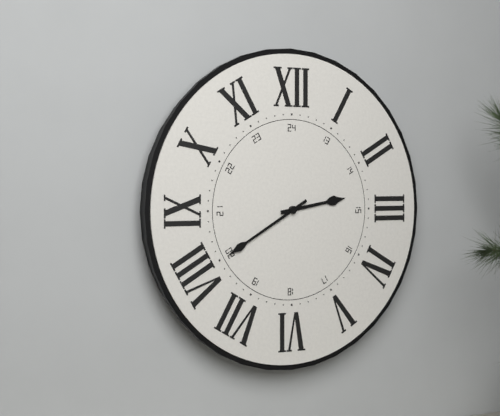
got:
2:40
